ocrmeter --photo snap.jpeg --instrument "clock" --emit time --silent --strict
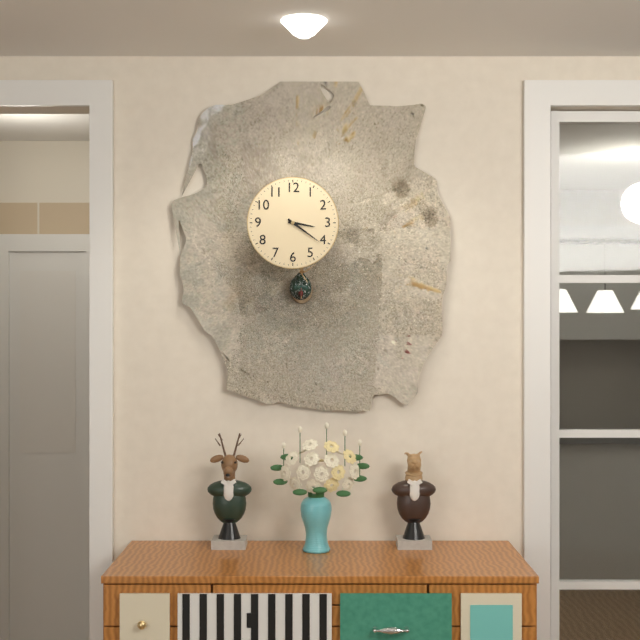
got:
3:21
